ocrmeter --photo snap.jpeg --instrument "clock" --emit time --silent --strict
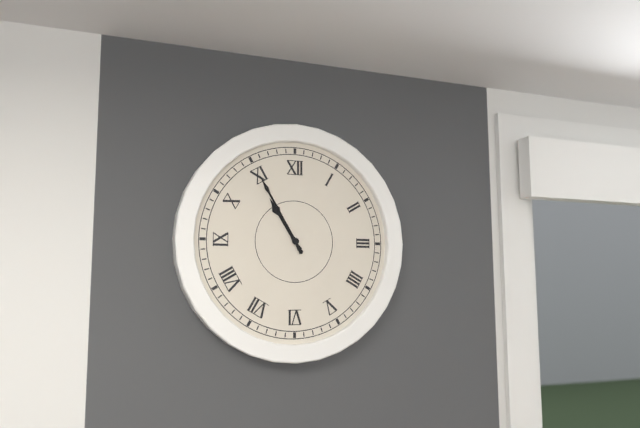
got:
10:55
